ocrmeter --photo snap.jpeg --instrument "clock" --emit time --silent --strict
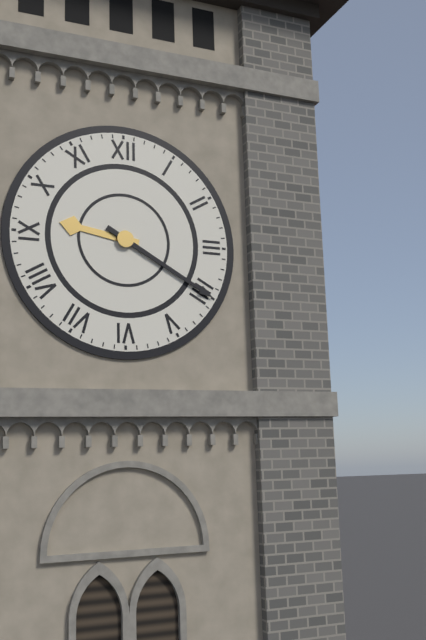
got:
9:20
